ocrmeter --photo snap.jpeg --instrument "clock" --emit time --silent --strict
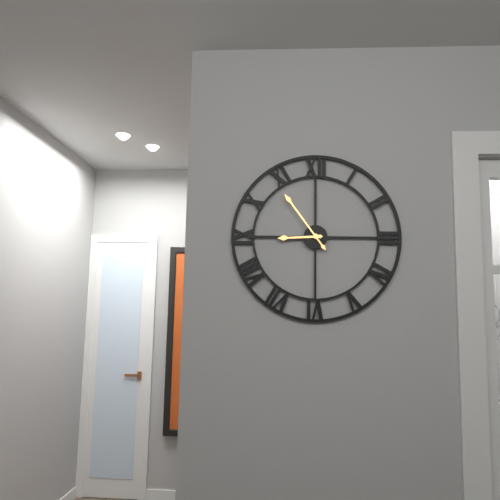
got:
8:54
